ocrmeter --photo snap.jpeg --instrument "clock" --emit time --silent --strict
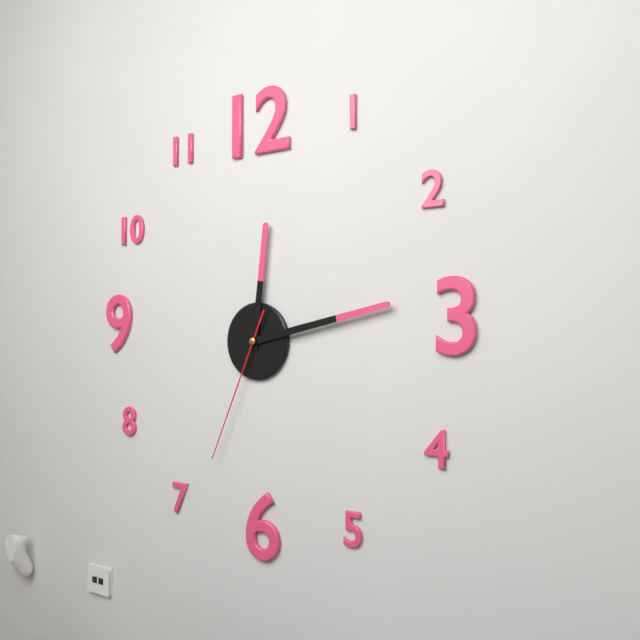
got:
12:13:34
